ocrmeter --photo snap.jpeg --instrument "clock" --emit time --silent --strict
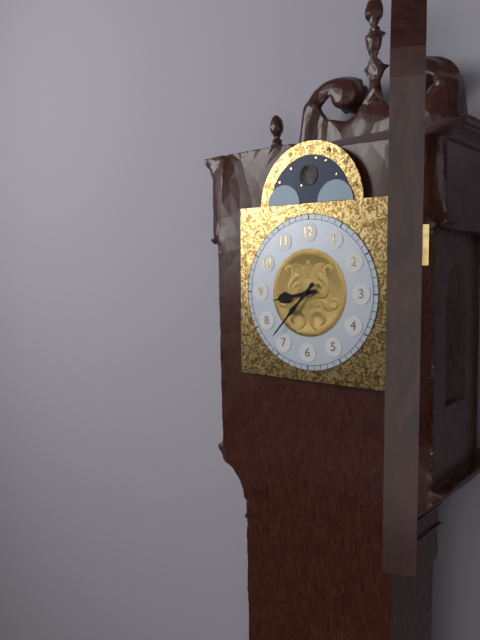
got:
8:37
